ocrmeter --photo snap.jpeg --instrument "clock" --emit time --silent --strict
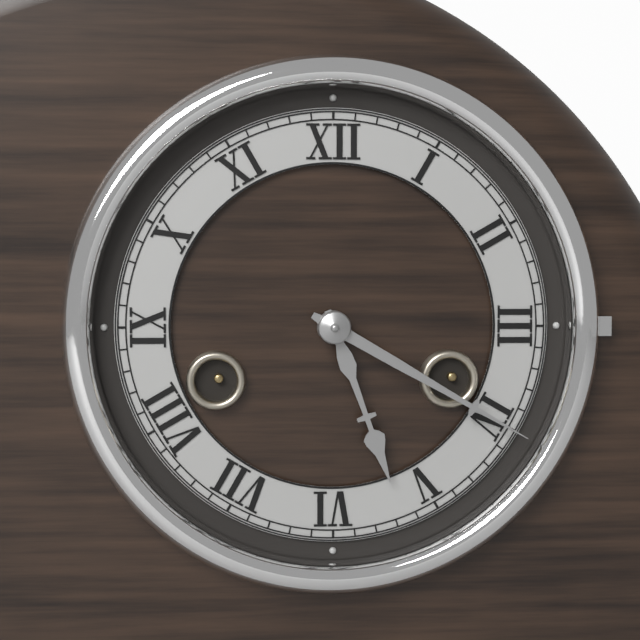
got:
5:20
